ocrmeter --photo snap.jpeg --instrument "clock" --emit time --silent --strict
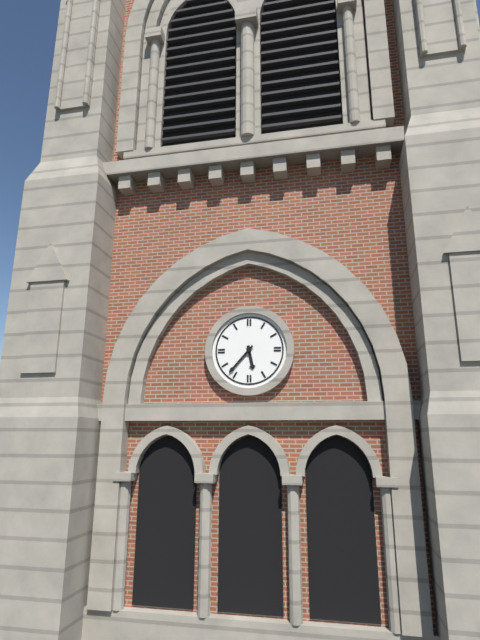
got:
5:37
